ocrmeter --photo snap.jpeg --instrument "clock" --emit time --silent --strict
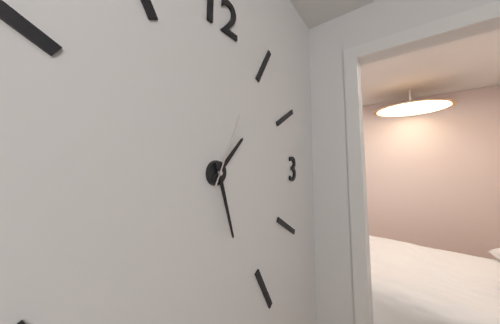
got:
1:27:04
